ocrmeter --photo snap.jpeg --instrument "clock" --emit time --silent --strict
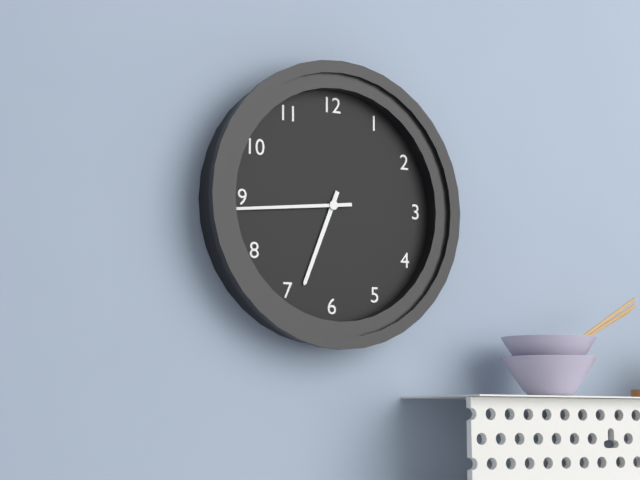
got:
6:44
